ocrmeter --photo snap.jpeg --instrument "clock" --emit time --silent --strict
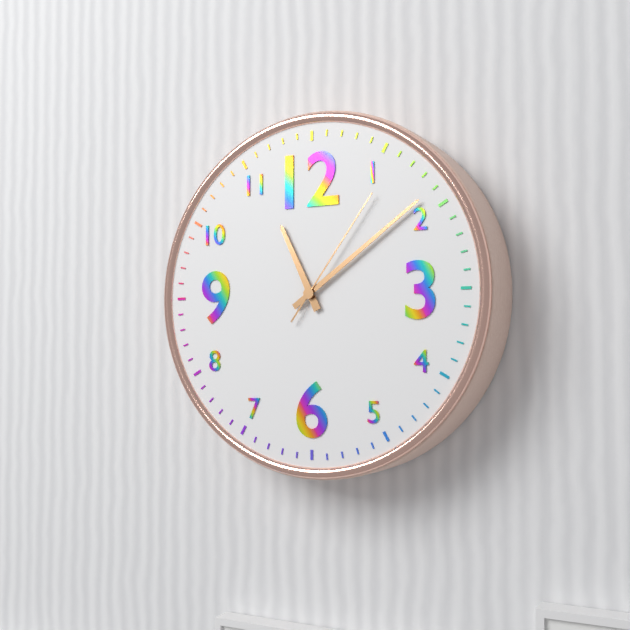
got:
11:09:06
